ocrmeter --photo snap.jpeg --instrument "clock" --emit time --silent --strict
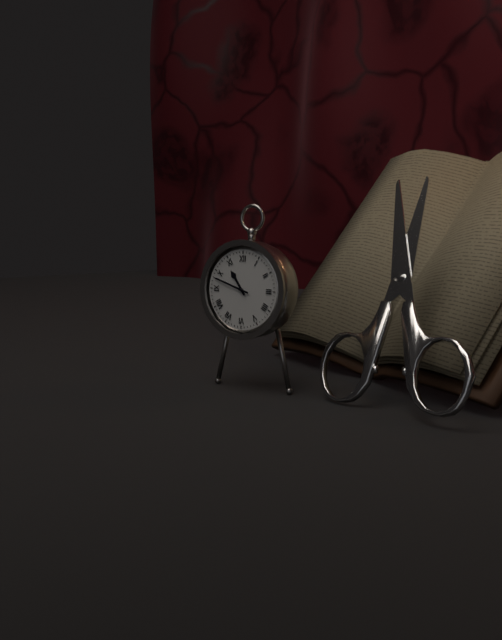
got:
10:48
